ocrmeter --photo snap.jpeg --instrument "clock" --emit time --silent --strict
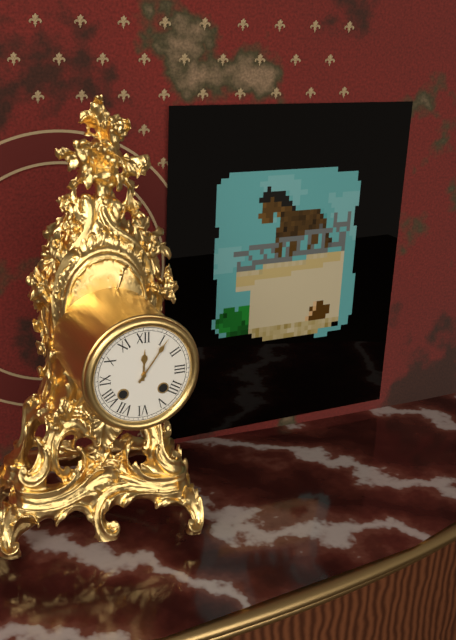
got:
12:06
